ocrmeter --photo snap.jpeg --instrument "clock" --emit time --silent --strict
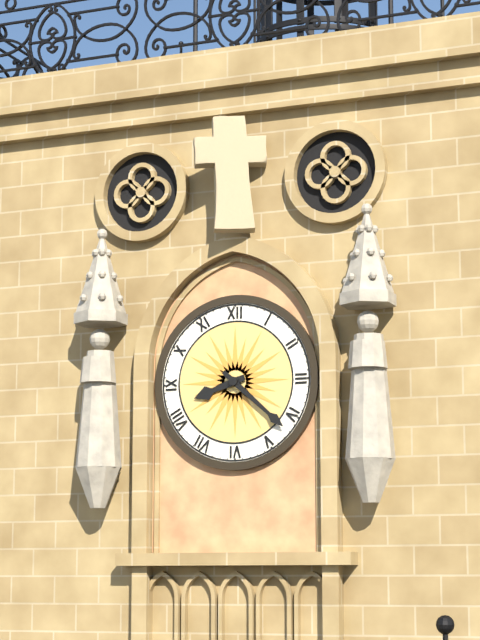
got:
8:22
